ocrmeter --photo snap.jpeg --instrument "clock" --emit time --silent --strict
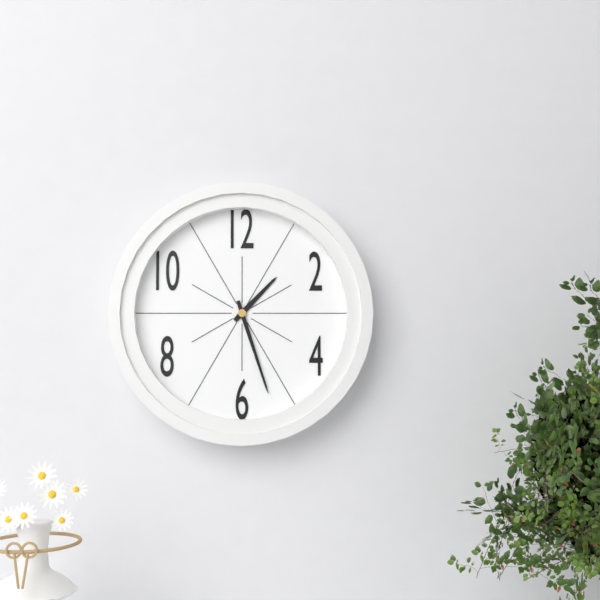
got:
1:27
